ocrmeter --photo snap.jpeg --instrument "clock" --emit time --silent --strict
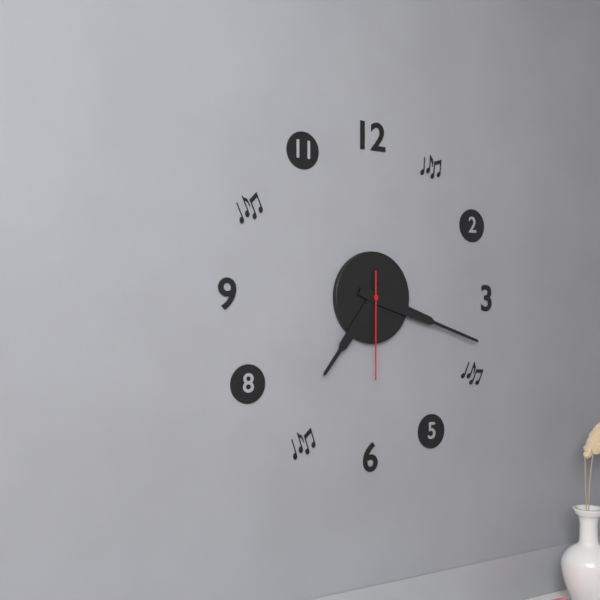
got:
7:18:30
